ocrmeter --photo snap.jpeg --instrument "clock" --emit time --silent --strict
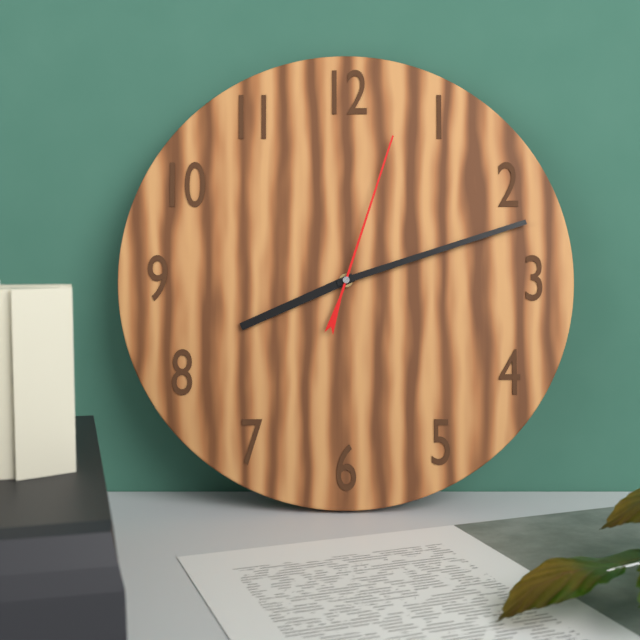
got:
8:12:03
